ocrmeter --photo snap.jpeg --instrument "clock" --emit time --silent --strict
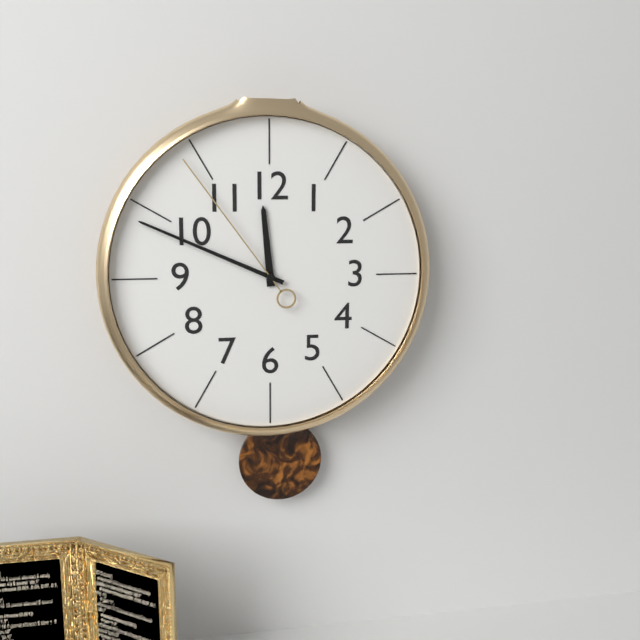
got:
11:49:54
